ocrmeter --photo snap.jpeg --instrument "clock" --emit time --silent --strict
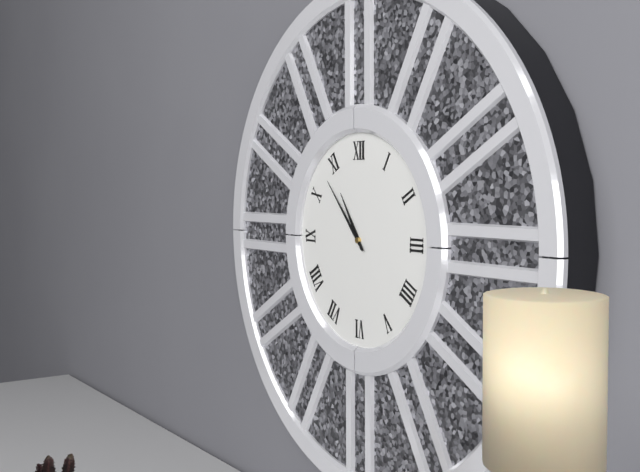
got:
10:53
